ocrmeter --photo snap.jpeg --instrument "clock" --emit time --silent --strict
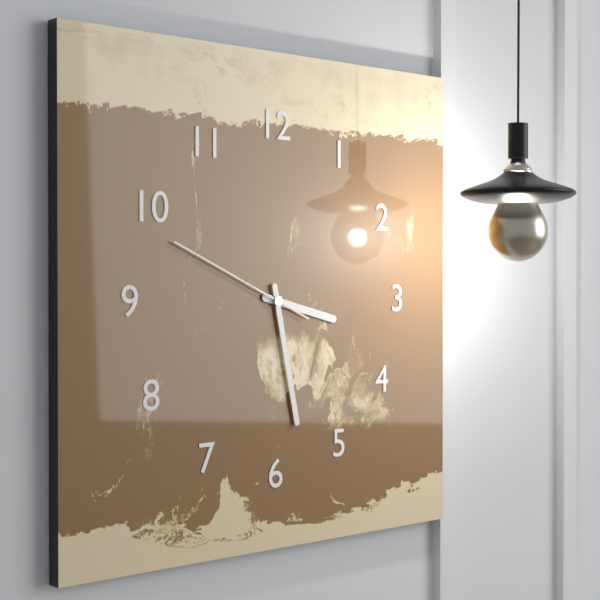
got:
3:28:49
